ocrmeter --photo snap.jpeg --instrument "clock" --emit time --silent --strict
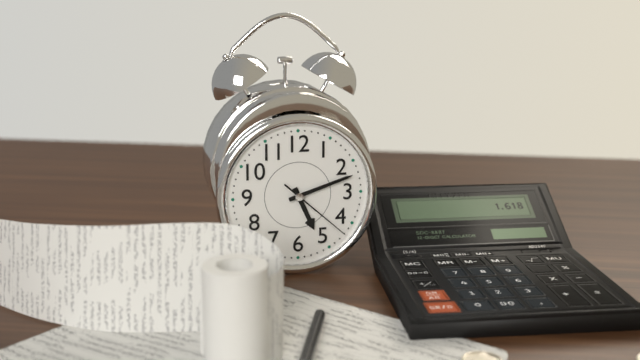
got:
5:12:22
